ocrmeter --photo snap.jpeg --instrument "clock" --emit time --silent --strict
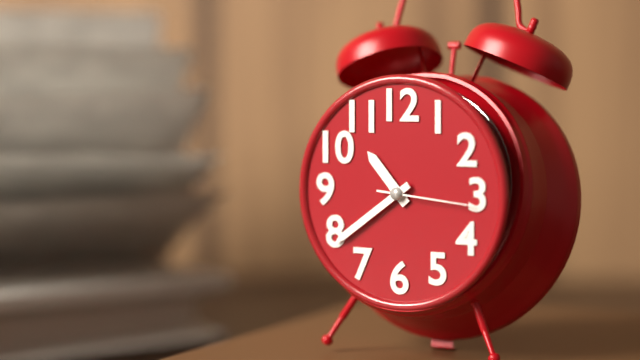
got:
10:39:16
